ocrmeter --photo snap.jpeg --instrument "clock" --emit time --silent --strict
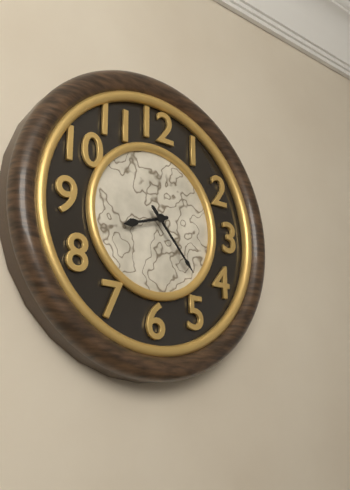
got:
8:23
